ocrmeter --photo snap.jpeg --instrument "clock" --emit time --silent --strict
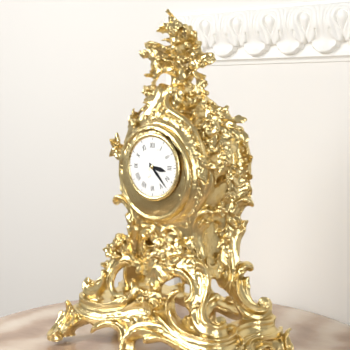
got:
3:23
